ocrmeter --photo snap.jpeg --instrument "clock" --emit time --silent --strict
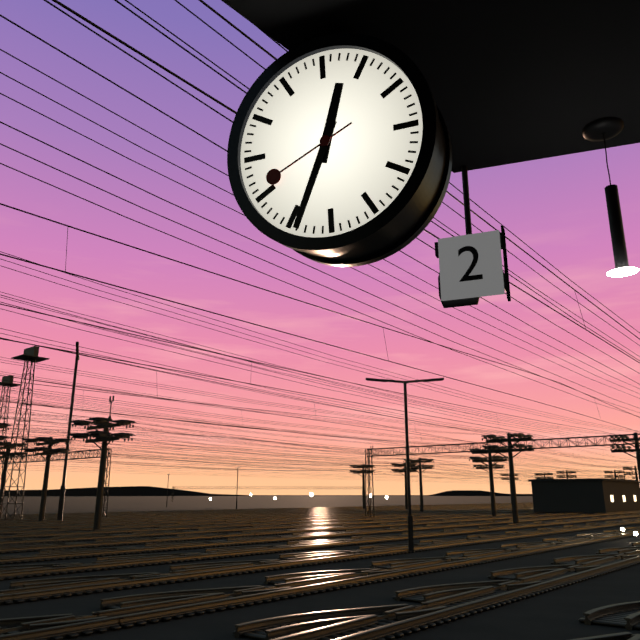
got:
12:34:41
